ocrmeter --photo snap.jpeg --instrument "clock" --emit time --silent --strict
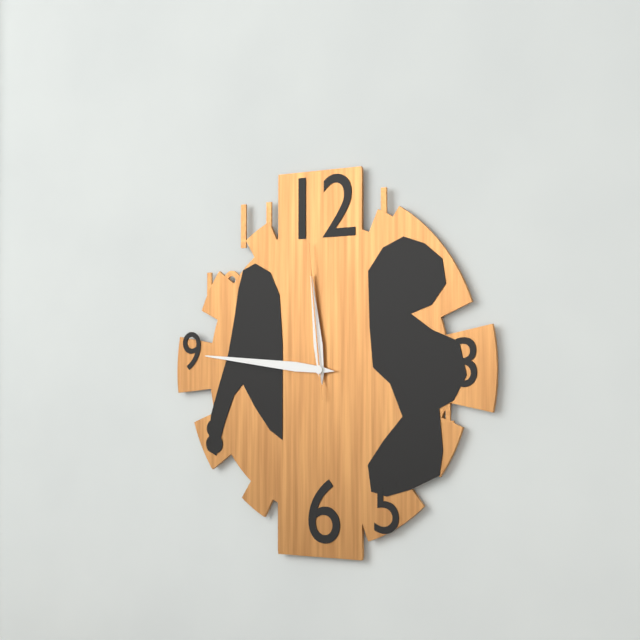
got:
11:46:59
